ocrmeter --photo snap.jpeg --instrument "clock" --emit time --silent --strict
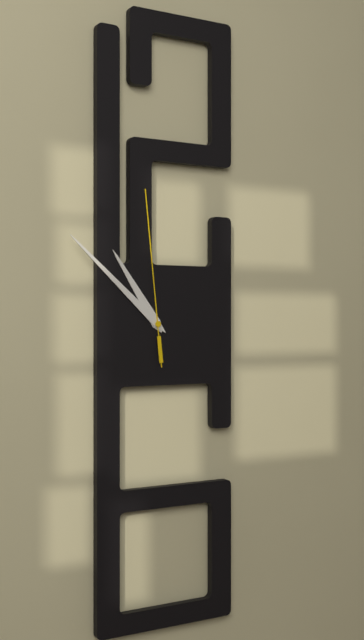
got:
10:52:59
